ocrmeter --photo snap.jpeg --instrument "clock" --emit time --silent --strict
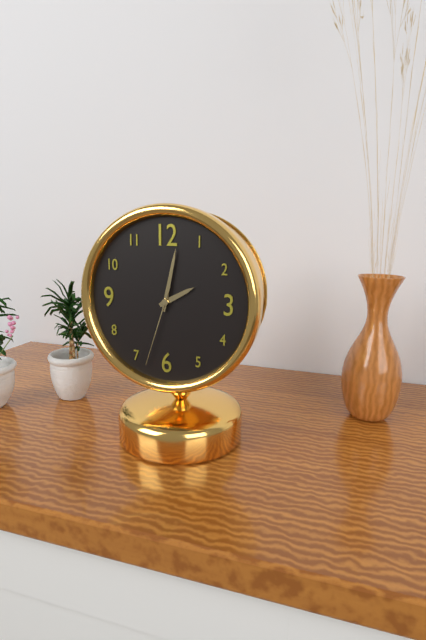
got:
2:02:33
